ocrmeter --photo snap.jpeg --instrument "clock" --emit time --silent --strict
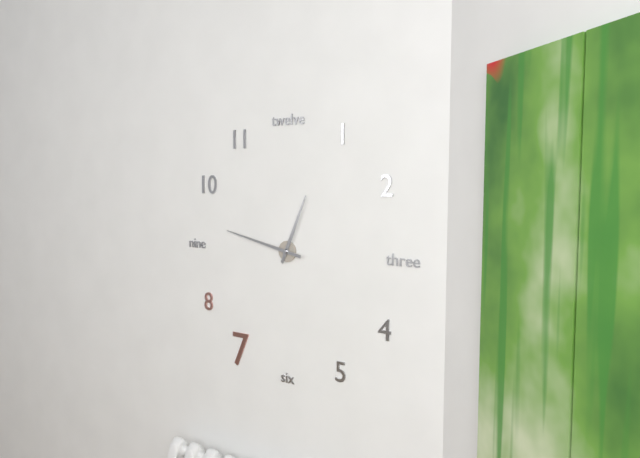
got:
12:47
